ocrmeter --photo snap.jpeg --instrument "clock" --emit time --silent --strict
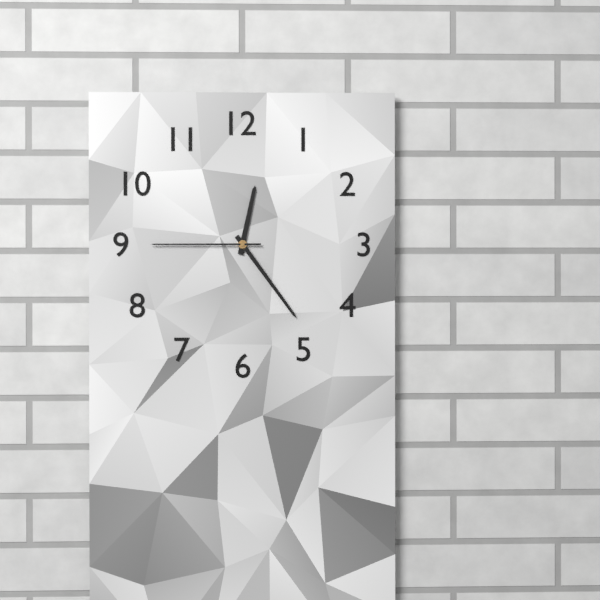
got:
12:24:45
